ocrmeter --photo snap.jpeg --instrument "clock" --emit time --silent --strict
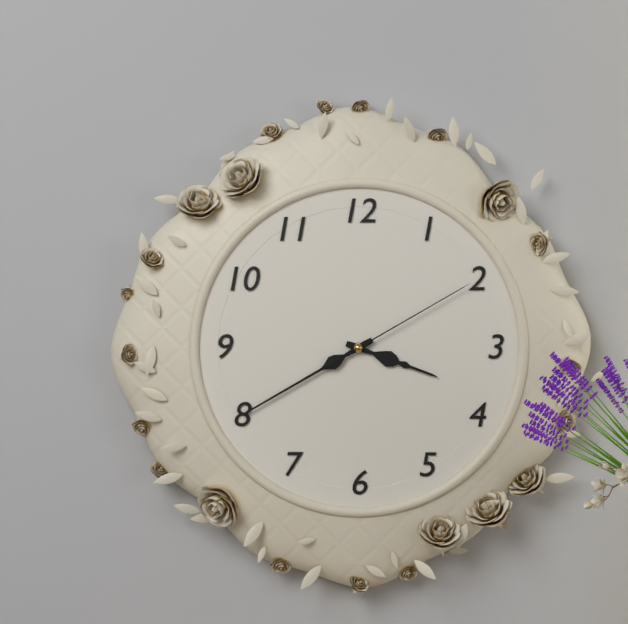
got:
3:40:10
